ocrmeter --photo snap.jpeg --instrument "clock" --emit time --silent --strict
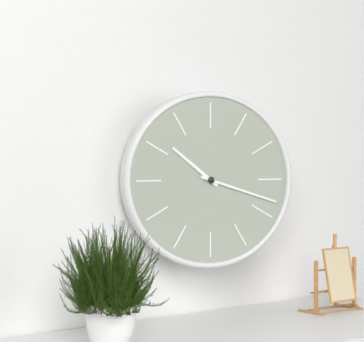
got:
10:18
